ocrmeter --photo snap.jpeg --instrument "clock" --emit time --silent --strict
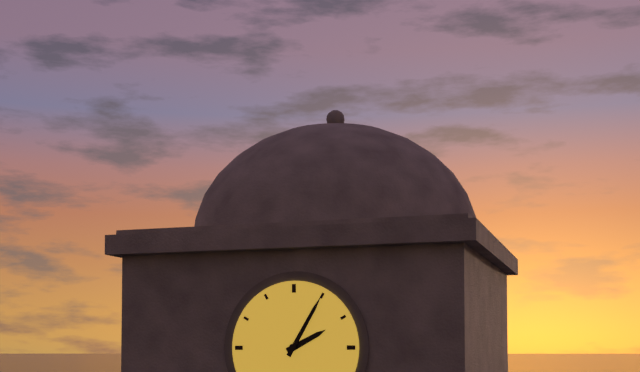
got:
2:05
